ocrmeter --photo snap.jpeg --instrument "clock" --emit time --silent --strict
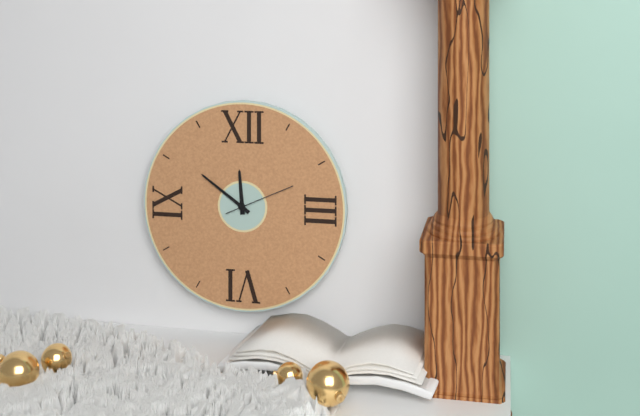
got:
11:51:11
